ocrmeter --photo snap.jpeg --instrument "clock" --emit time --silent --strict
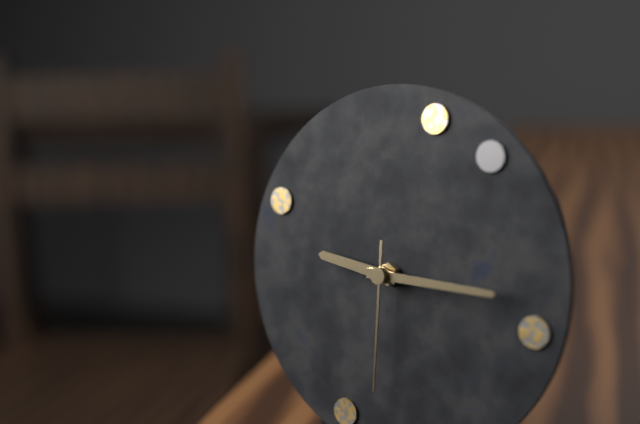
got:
9:15:30
